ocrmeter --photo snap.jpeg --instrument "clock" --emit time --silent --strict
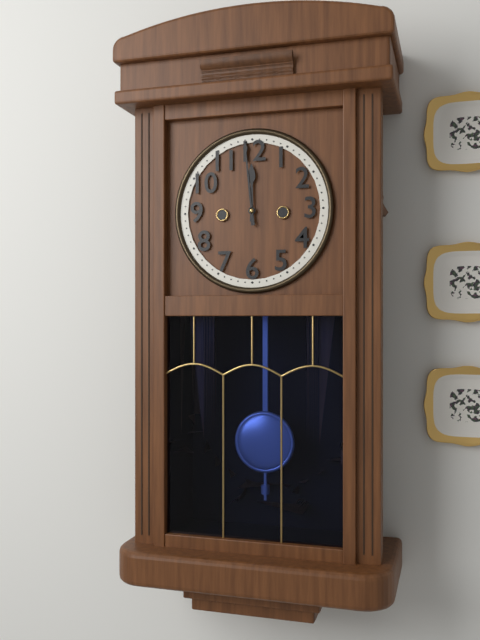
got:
11:59
